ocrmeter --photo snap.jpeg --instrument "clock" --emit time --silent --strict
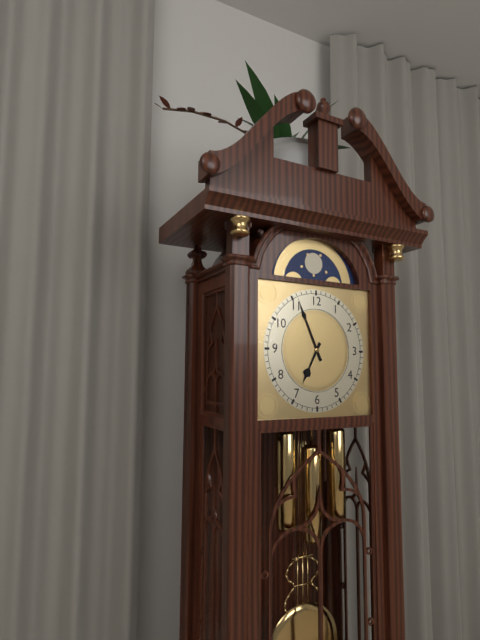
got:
6:56
